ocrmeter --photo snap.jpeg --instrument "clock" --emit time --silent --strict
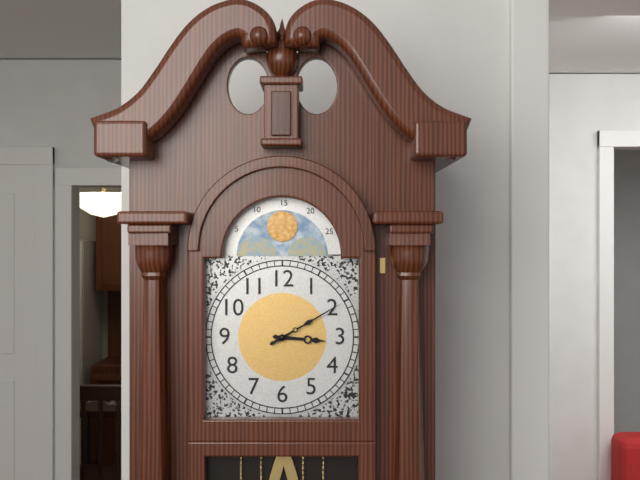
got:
3:10
